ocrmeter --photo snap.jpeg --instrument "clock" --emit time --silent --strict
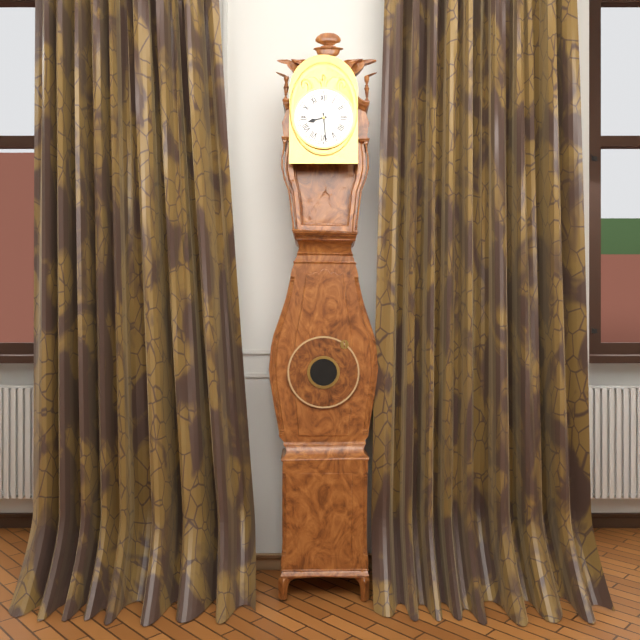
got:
8:29
